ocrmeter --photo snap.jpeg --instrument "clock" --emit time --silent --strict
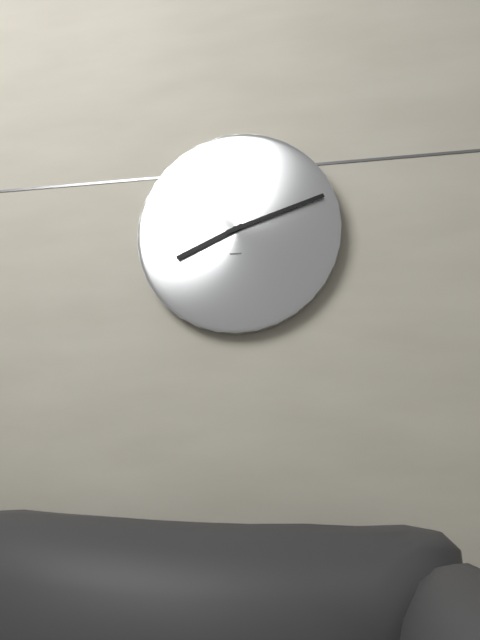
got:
8:12
